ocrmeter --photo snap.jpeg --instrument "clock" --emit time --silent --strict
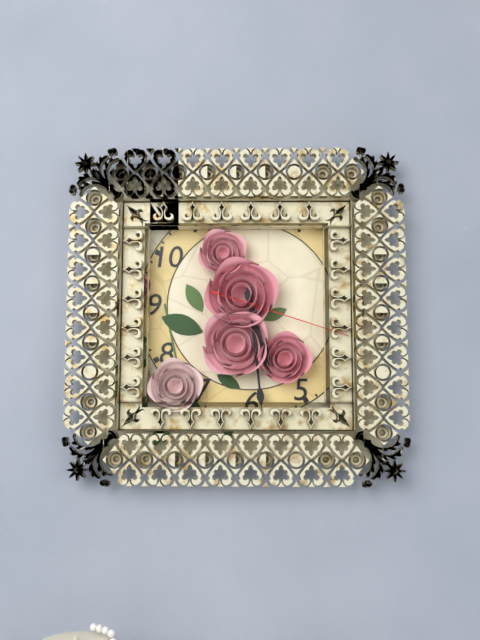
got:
5:29:18
